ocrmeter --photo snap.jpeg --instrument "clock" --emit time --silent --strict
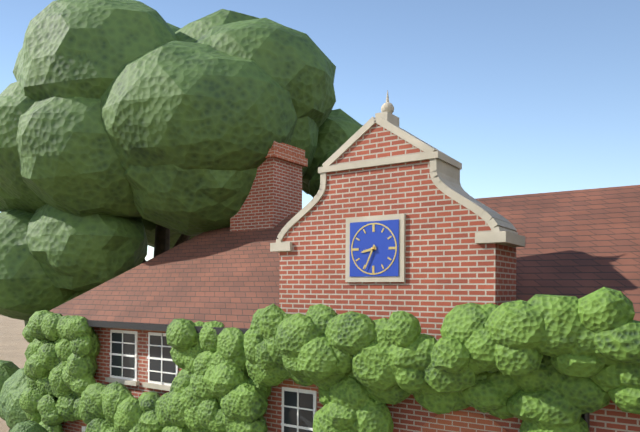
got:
8:34
